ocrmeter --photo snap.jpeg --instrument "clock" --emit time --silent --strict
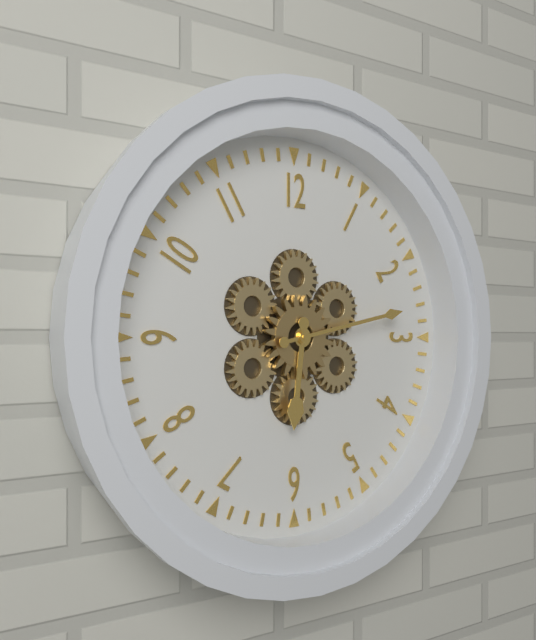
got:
6:13
